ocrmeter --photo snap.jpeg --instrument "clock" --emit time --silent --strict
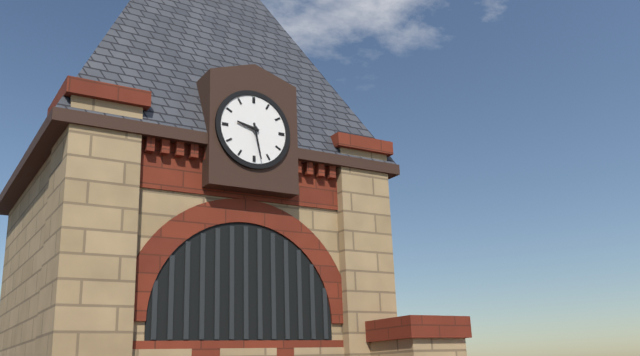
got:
9:28
